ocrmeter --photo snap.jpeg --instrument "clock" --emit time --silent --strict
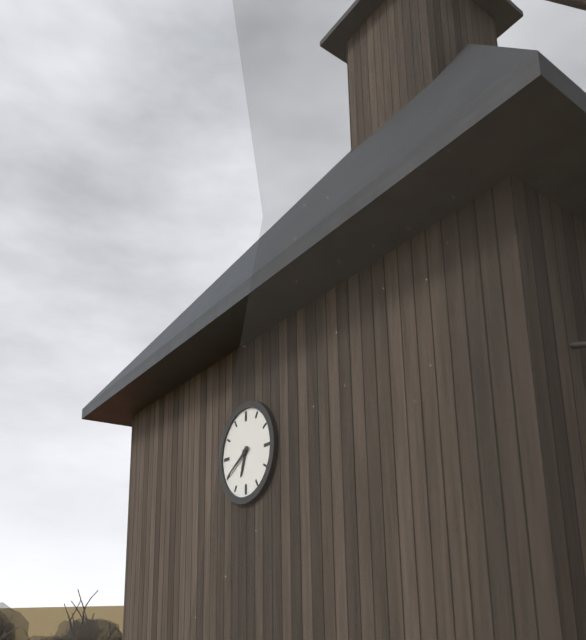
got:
6:40
